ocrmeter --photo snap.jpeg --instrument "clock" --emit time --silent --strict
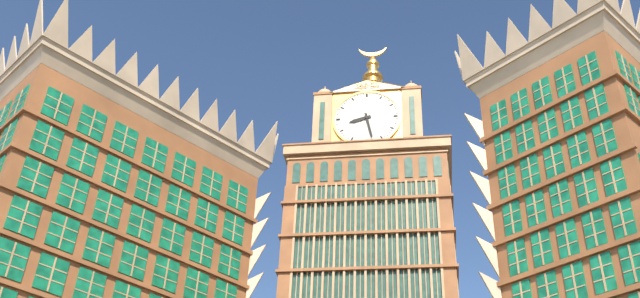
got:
8:28
